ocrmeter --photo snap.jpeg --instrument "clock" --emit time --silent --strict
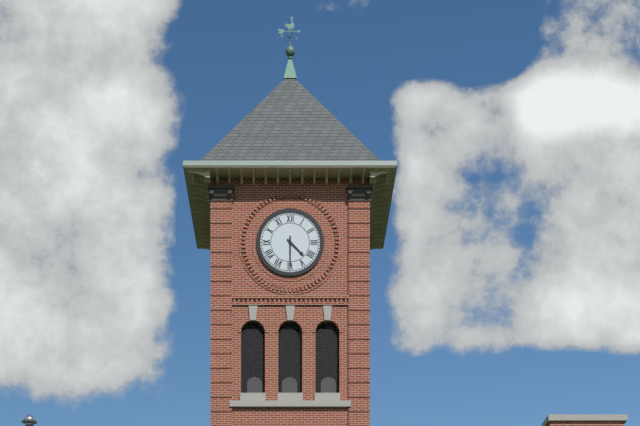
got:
4:30
